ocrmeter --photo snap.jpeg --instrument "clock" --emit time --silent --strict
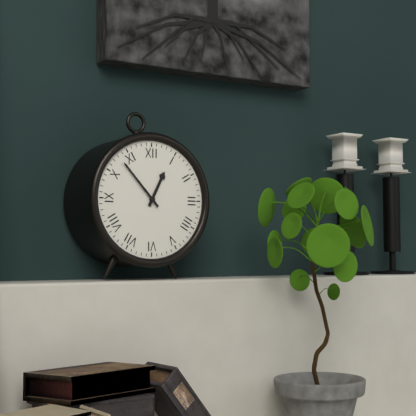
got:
12:53
